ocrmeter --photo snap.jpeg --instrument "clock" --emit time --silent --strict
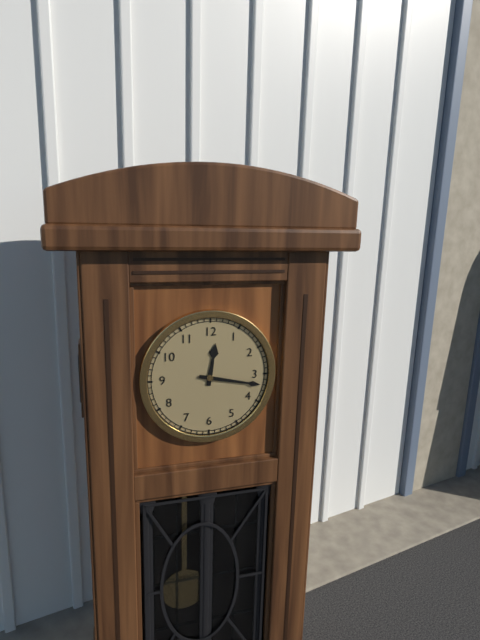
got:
12:17
